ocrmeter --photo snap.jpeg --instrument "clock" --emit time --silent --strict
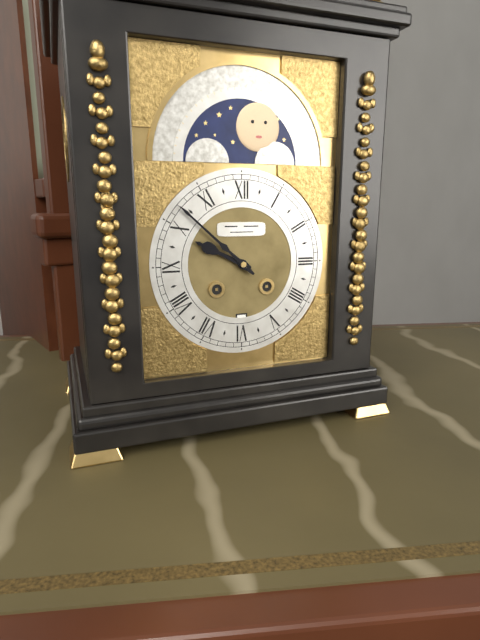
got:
9:52
